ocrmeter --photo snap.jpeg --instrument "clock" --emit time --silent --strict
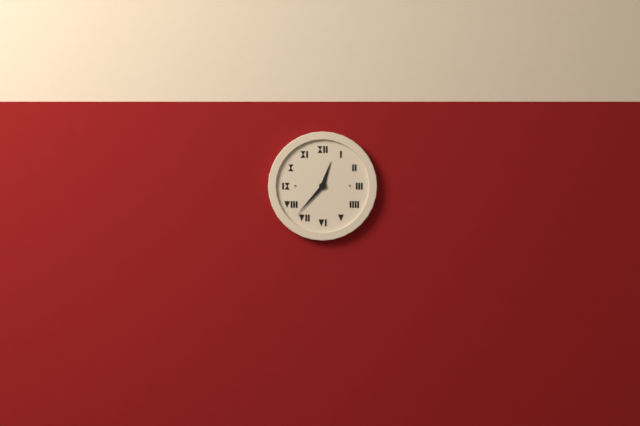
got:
12:37
